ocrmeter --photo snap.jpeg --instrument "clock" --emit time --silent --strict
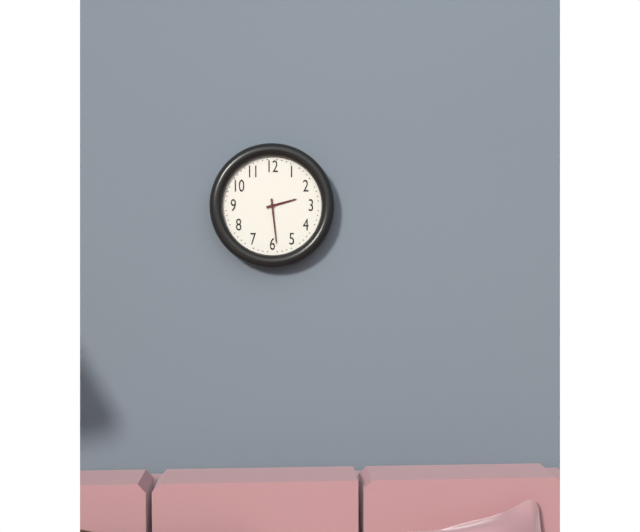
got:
2:29
